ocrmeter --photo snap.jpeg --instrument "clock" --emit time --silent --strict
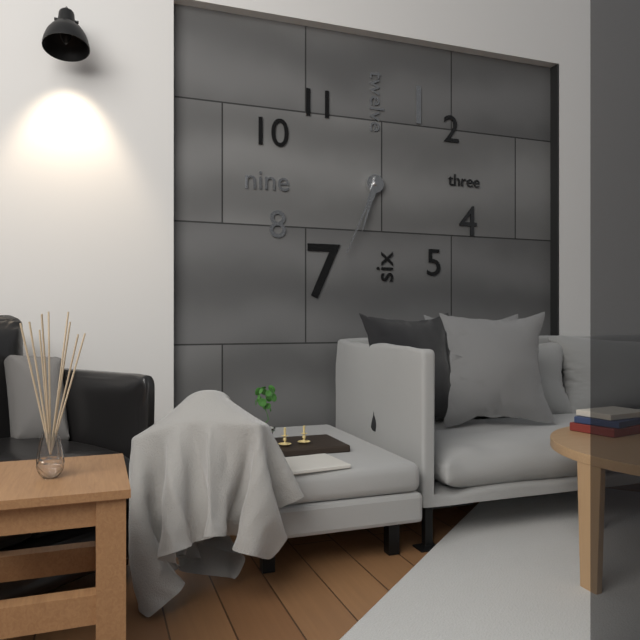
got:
6:34
